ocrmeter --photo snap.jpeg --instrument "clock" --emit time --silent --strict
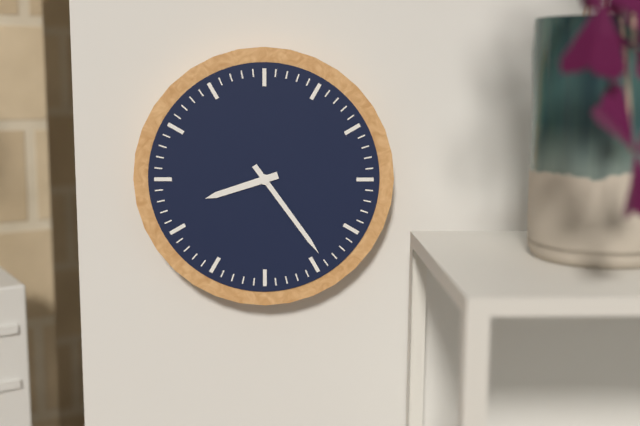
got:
8:24
